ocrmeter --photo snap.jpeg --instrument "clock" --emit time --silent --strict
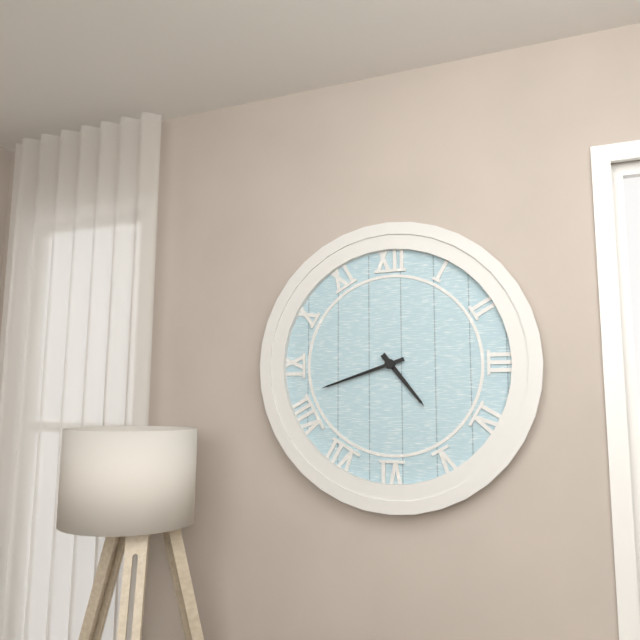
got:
4:42
